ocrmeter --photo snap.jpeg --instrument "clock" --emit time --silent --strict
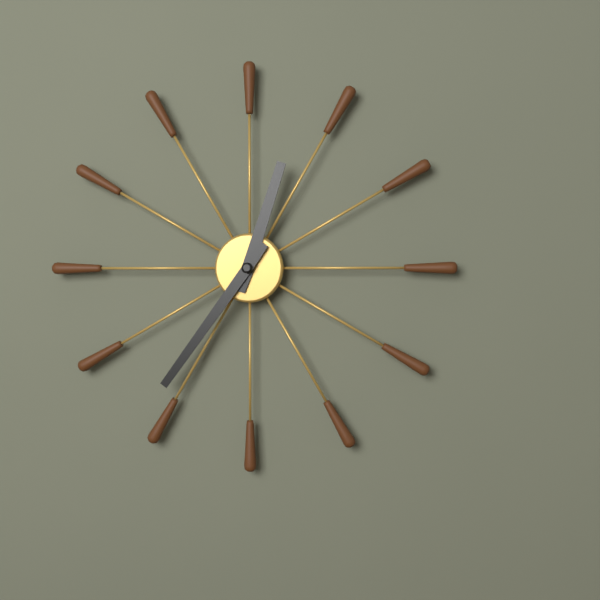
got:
12:36
